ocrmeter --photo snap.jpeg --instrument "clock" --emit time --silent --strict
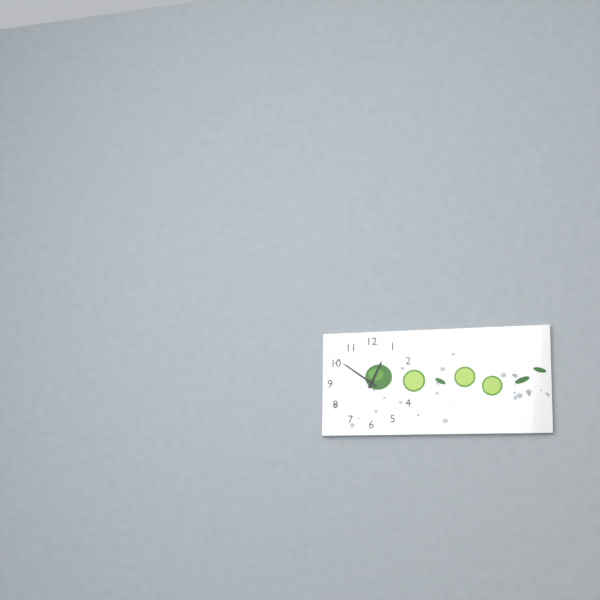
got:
12:51
